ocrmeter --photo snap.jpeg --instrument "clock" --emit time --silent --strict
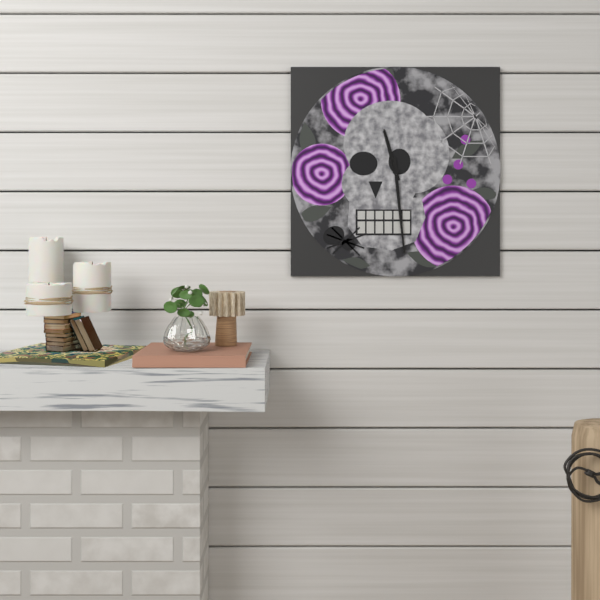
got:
11:29
